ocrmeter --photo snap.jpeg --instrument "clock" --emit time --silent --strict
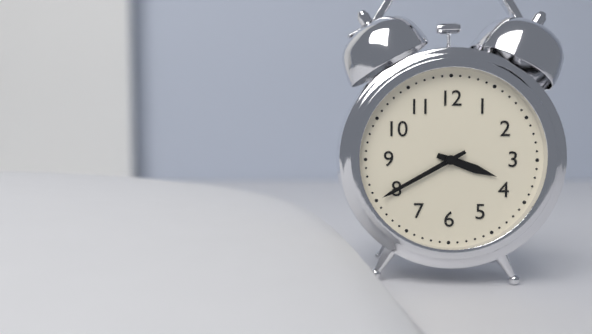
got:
3:40
